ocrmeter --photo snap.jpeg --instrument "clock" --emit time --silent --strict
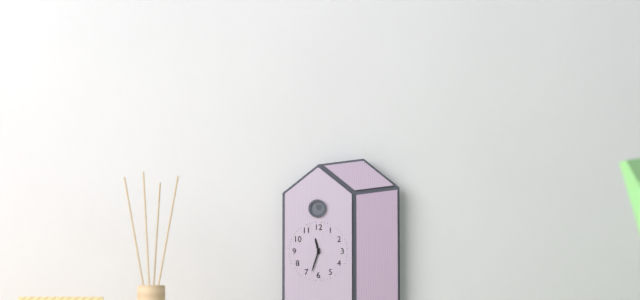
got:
11:33
